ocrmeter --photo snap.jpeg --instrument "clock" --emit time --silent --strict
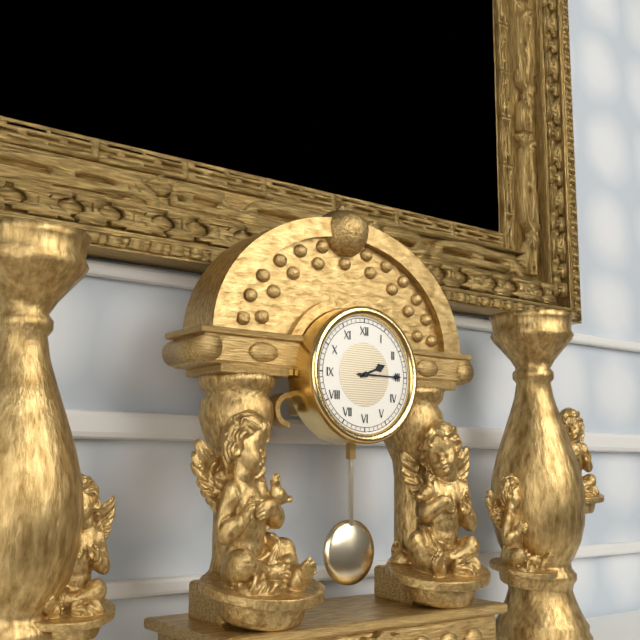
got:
2:15
